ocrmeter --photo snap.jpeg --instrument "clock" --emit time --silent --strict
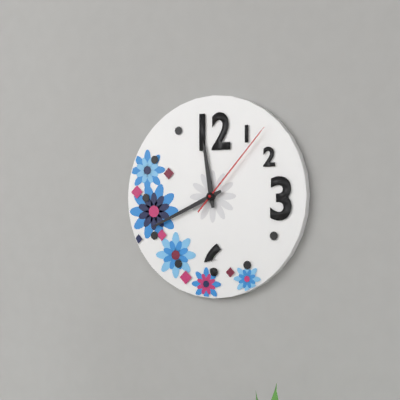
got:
11:41:07
